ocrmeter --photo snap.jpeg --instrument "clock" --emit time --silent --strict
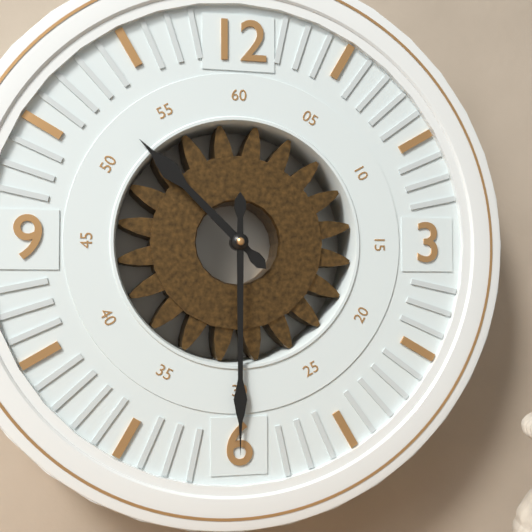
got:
10:30
